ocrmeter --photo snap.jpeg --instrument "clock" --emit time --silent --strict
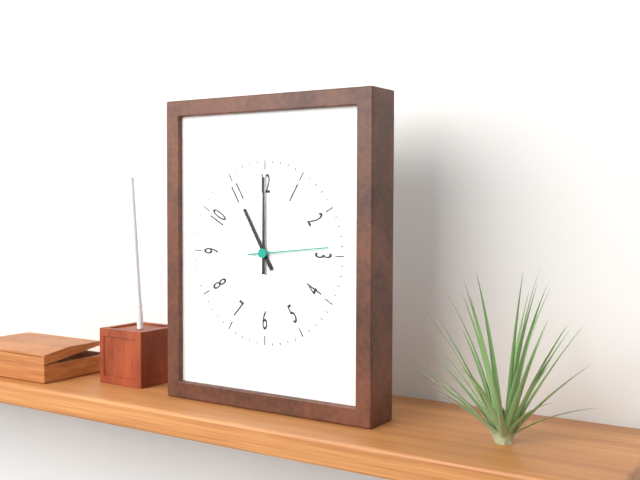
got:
11:00:14
